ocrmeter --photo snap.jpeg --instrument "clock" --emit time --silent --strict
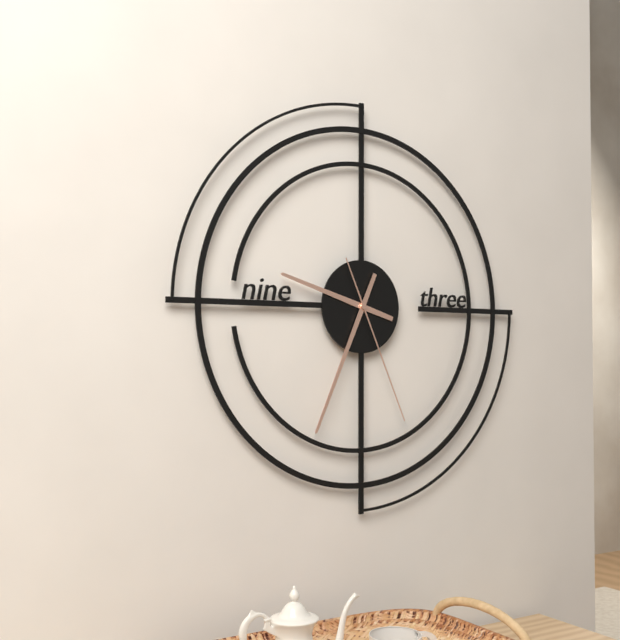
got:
9:34:26
